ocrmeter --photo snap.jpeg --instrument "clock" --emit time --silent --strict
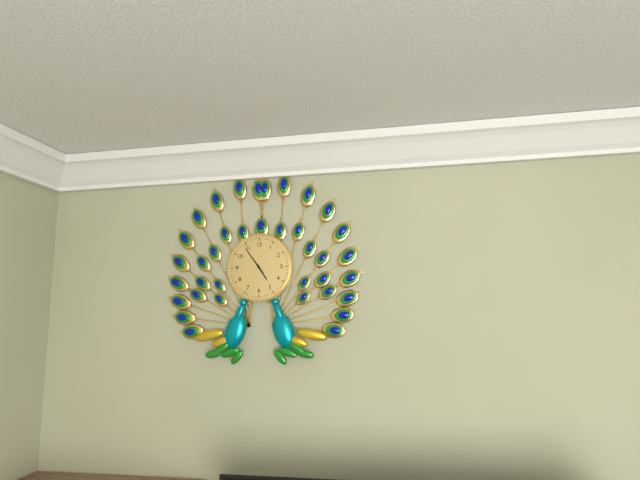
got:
4:54
